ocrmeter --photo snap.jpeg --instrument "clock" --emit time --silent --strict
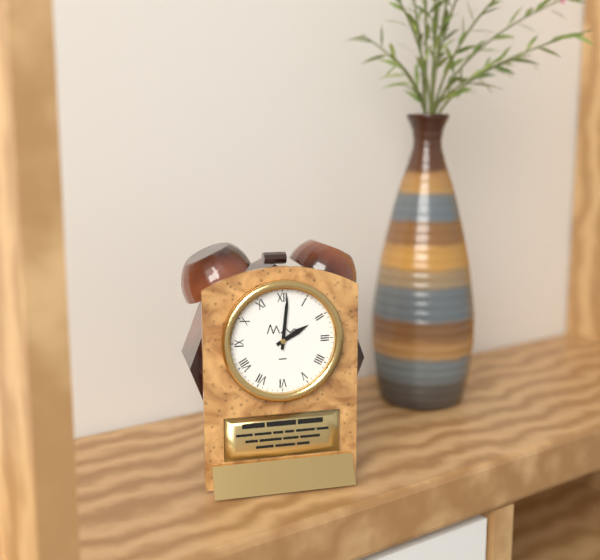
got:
2:01
